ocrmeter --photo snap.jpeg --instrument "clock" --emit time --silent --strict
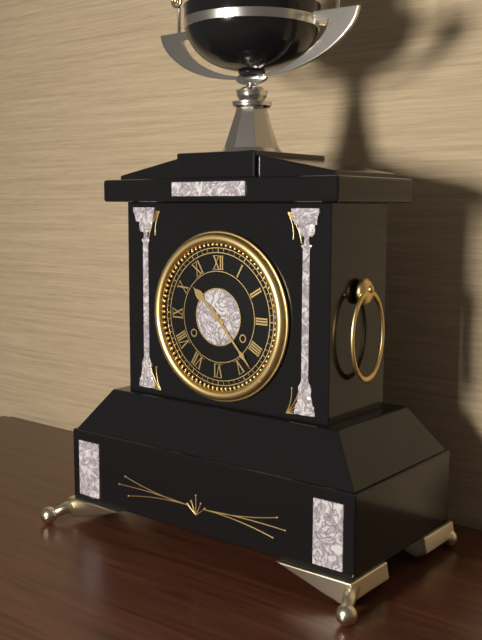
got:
10:23
